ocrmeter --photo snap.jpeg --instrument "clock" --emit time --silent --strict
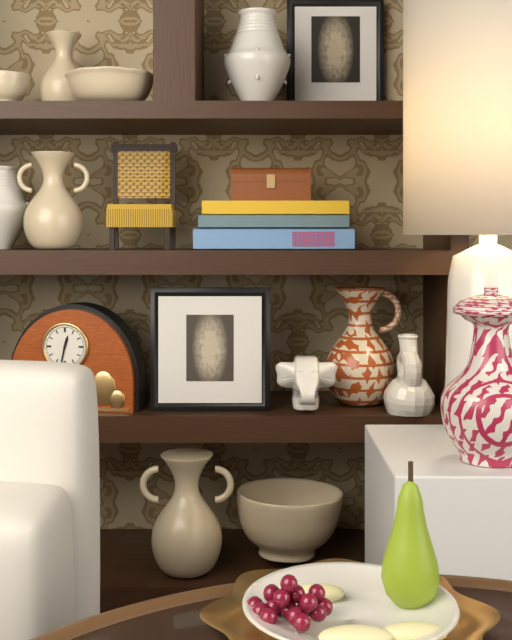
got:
12:32
